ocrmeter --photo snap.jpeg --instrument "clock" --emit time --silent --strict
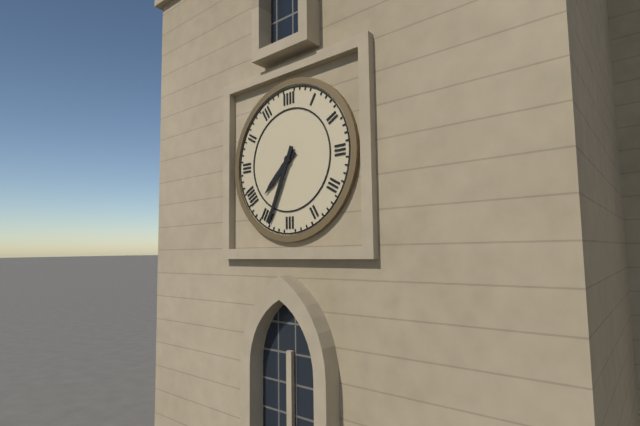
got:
7:34
